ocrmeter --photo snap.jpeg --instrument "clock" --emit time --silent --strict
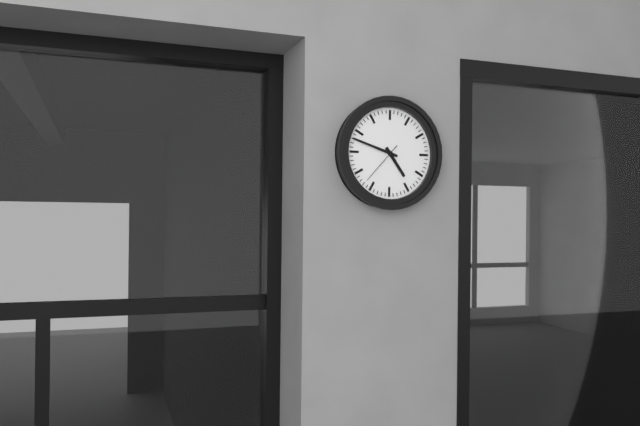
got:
4:48
